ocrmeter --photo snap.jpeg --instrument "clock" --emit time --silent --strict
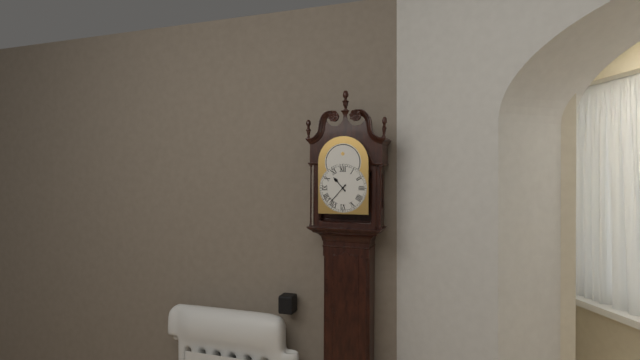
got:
10:37
